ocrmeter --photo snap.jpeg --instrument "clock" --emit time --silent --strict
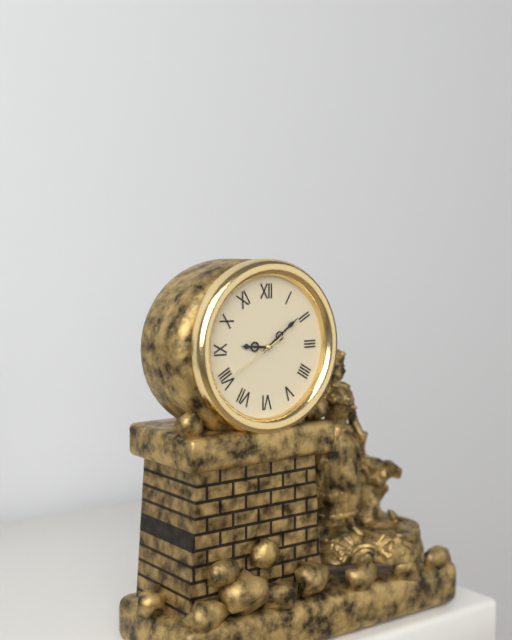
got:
9:09:40
